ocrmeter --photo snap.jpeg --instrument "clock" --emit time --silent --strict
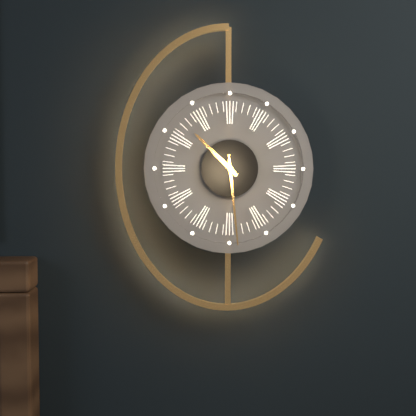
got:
10:29
